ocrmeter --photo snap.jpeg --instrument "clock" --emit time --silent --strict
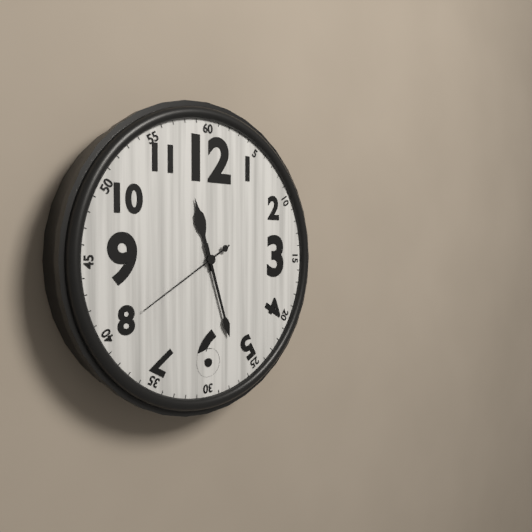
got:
11:27:40
